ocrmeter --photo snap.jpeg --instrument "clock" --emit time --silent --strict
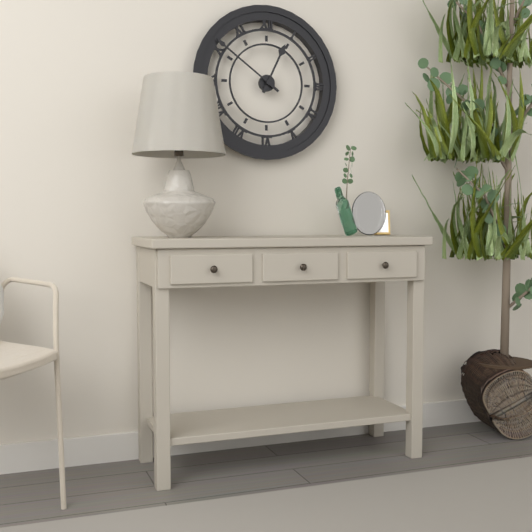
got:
12:51
